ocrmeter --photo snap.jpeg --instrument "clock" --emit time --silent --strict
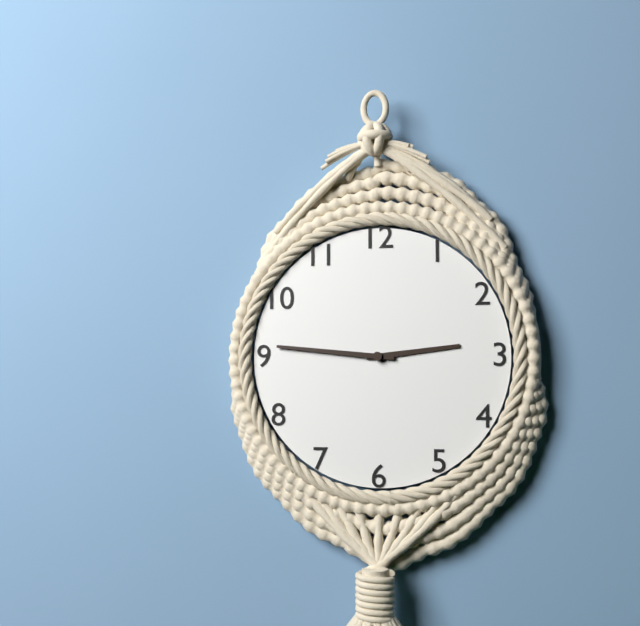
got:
2:46
